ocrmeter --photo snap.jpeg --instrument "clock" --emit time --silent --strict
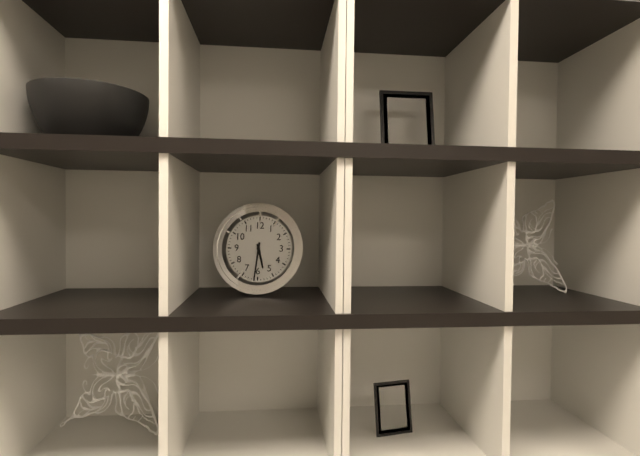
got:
5:31
